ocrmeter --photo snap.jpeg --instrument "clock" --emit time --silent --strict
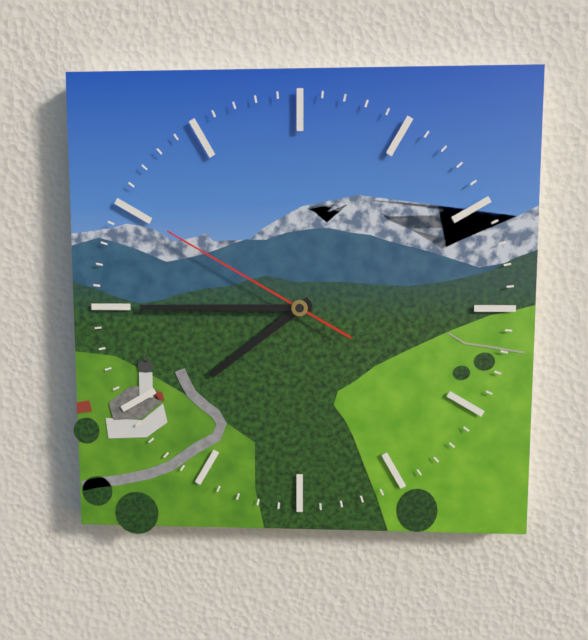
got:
7:45:50
